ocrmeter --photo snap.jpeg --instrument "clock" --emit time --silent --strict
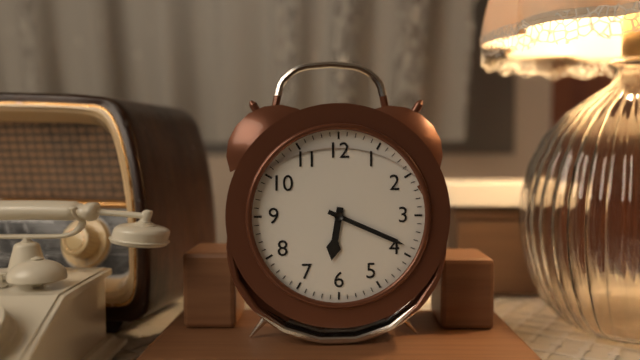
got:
6:19
